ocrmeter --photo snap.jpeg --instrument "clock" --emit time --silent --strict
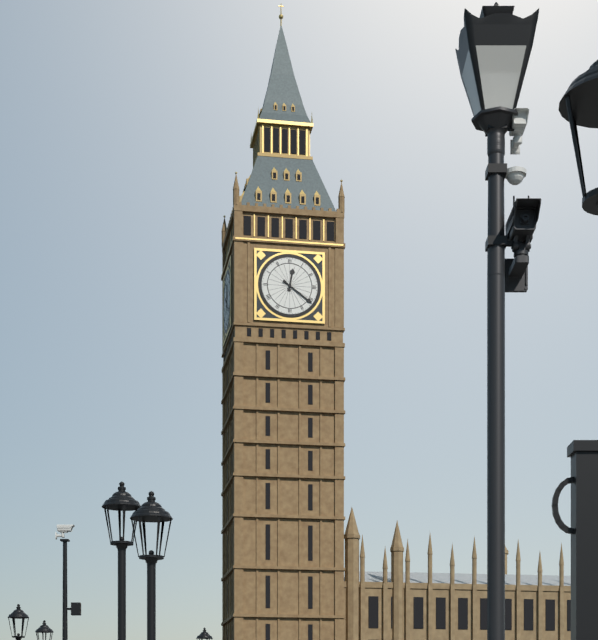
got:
12:21
